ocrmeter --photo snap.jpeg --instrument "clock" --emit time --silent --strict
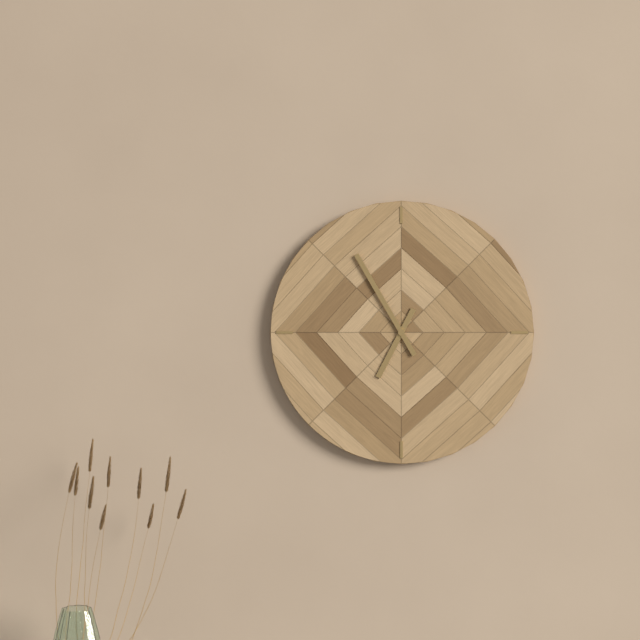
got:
6:55
